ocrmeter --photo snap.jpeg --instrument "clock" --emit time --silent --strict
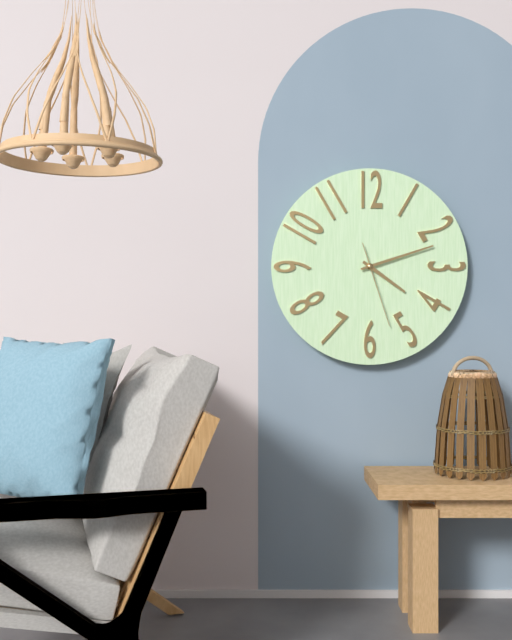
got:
4:12:27
